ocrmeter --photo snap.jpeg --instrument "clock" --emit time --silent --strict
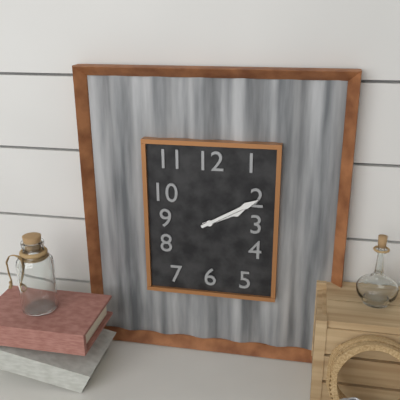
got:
2:10
